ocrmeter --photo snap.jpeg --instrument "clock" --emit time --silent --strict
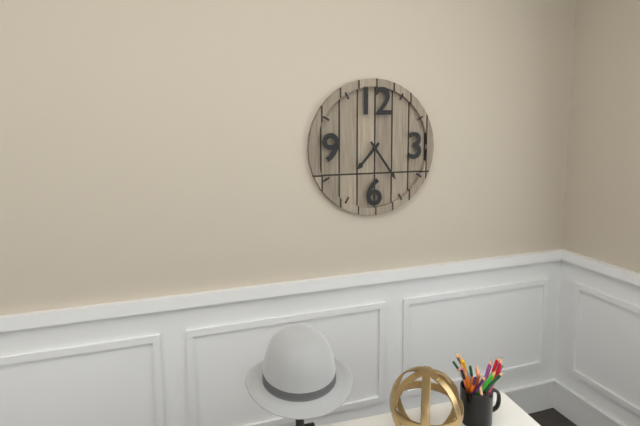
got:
7:24
